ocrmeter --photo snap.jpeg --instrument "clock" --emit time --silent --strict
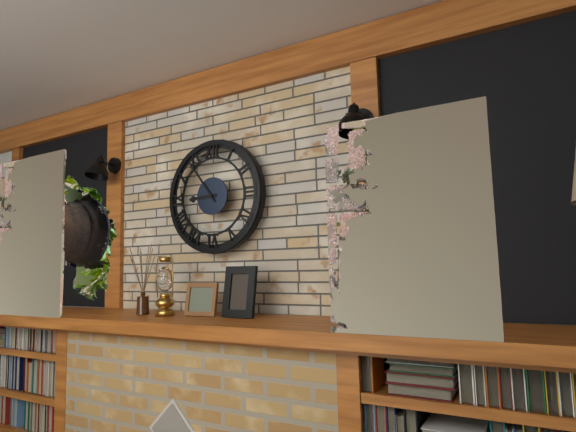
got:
8:54
